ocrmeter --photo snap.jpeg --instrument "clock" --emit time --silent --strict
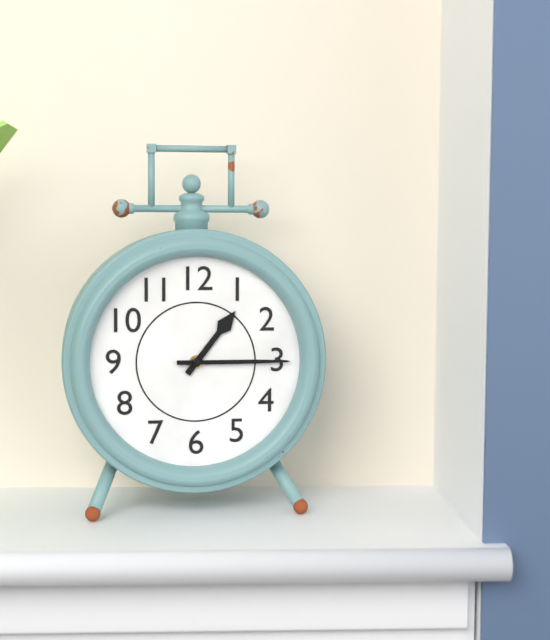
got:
1:15
